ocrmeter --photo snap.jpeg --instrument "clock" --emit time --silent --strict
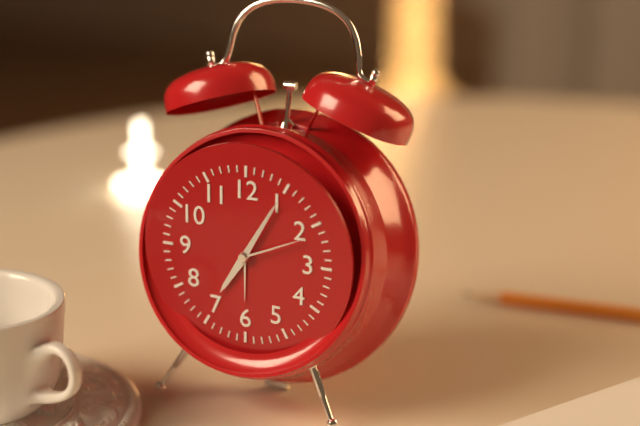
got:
7:05:11
